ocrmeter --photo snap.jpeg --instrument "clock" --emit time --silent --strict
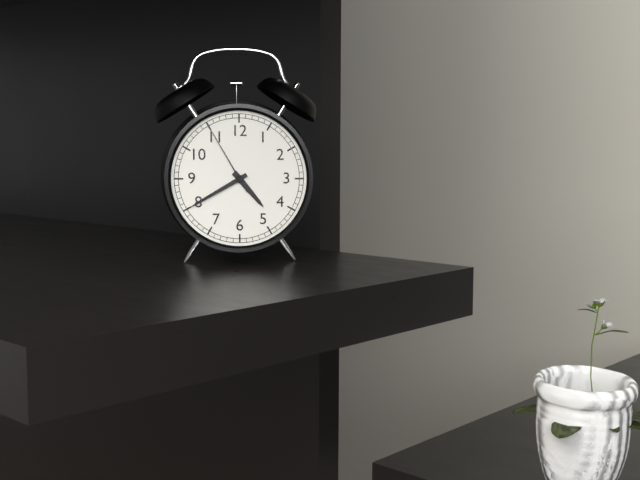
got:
4:40:55
